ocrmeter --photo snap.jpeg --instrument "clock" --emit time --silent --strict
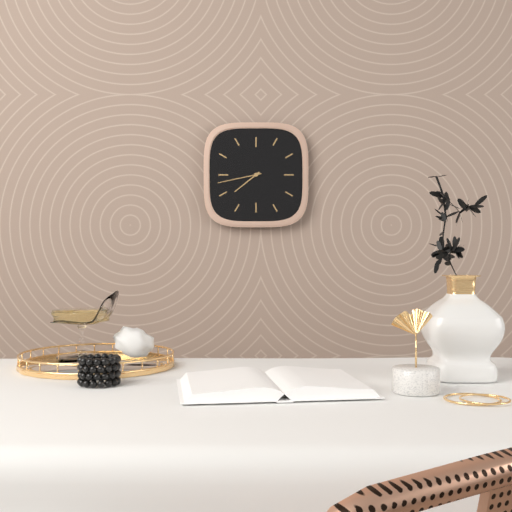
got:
7:43
